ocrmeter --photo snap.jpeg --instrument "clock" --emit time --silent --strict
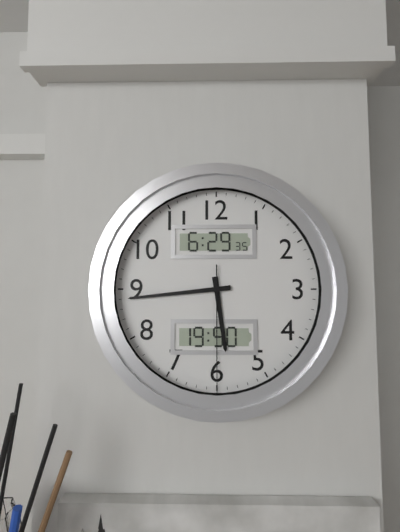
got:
5:44:30
